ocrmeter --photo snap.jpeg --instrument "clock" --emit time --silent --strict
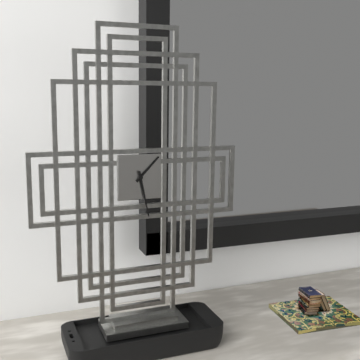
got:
1:28
